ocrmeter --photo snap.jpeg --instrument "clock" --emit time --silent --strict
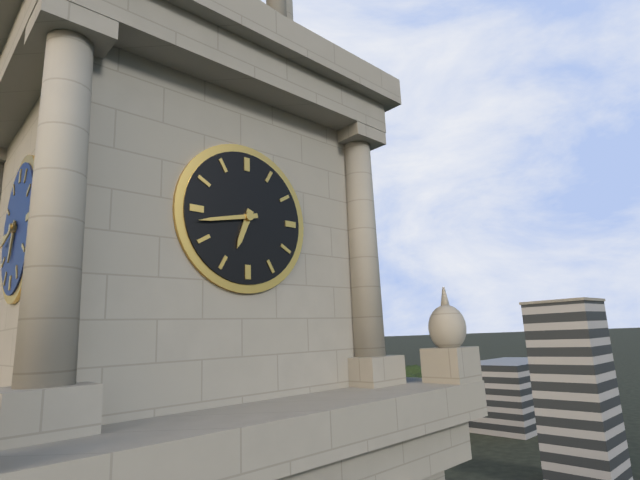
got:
6:43
